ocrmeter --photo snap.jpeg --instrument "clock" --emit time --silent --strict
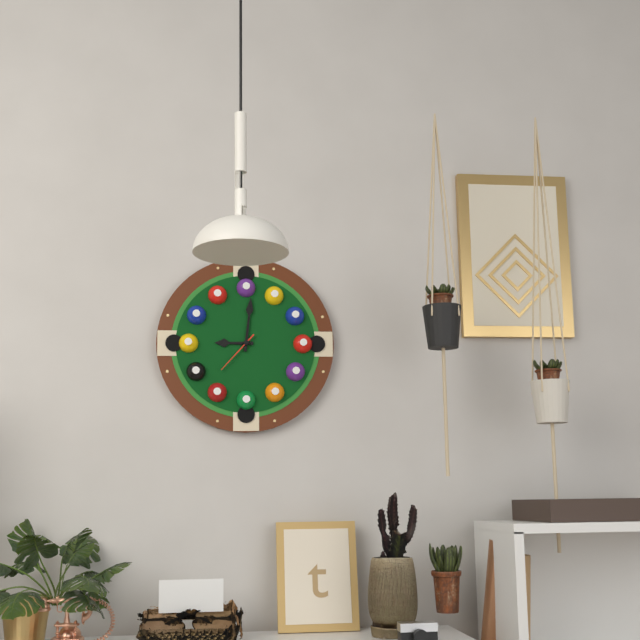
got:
9:01
